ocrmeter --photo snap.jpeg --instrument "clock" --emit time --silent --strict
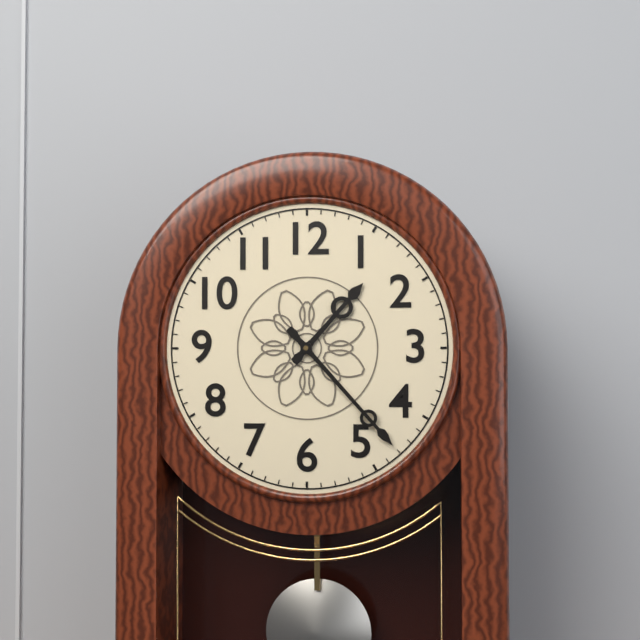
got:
1:23
